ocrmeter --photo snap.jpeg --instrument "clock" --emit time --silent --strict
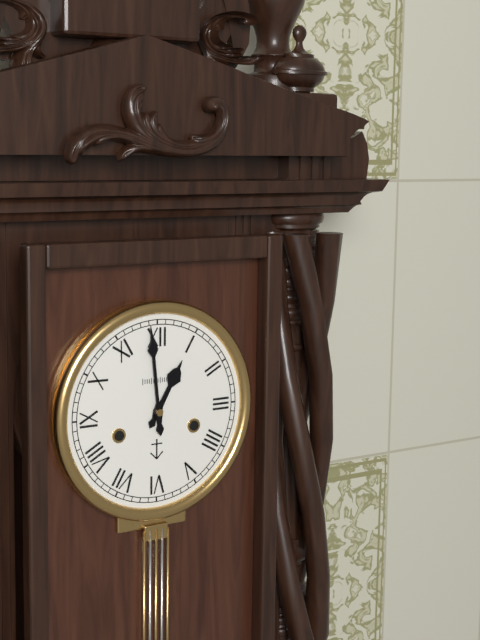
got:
12:59
